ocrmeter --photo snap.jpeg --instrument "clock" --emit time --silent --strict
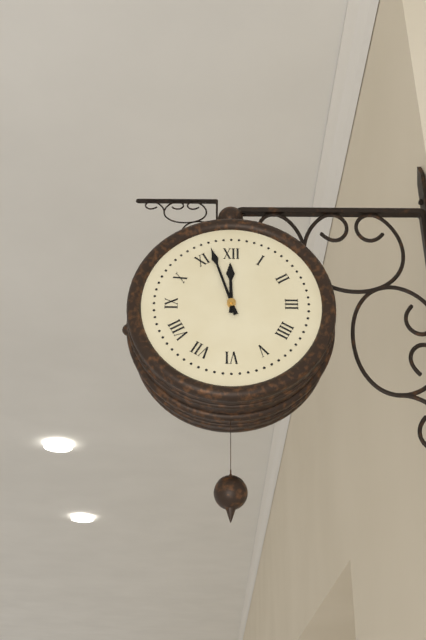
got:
11:57
